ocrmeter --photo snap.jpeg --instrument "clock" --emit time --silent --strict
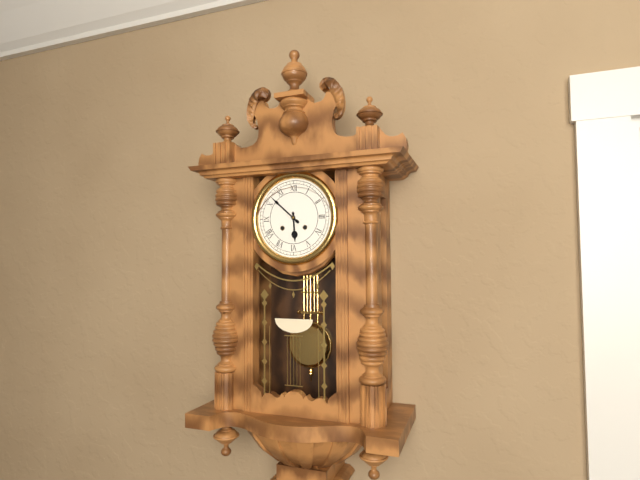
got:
5:52
